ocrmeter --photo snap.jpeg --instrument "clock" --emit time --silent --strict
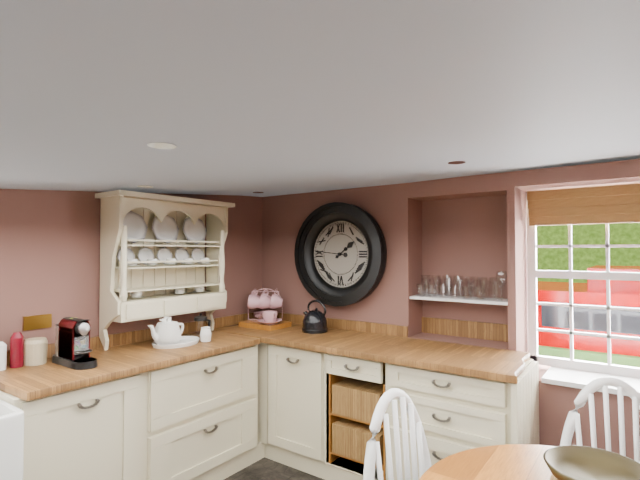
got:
1:46
